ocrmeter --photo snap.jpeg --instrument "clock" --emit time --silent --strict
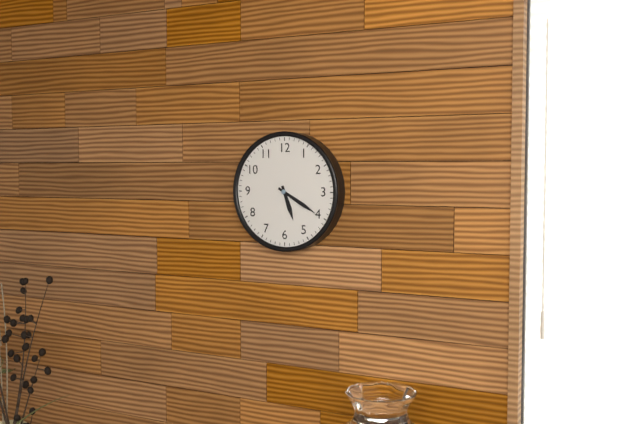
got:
5:20
